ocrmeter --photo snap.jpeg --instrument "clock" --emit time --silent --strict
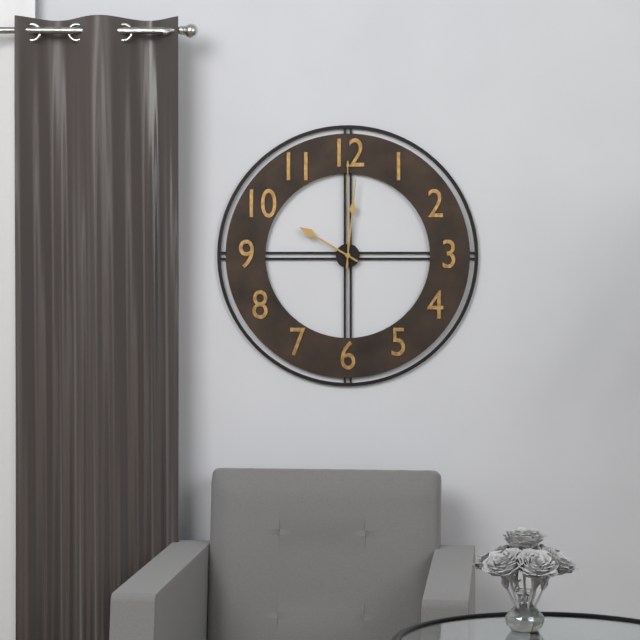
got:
10:01:00
